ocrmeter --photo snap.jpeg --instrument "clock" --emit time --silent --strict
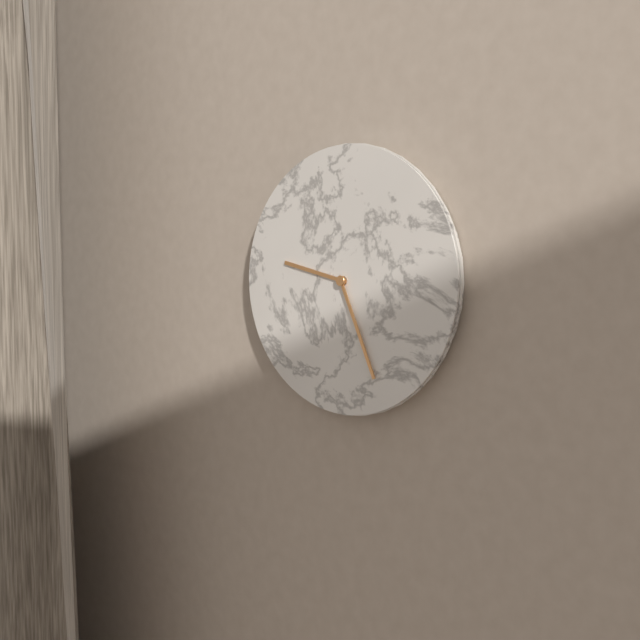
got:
9:26
